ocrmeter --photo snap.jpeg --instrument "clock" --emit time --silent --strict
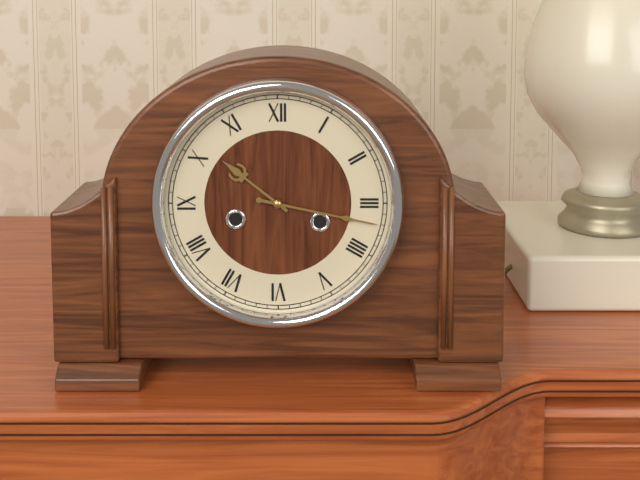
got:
10:17
